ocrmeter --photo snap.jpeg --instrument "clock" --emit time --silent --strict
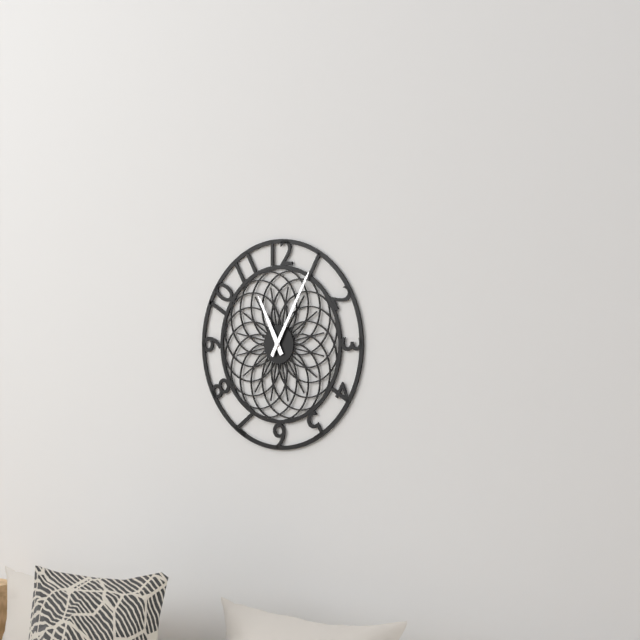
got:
11:05
